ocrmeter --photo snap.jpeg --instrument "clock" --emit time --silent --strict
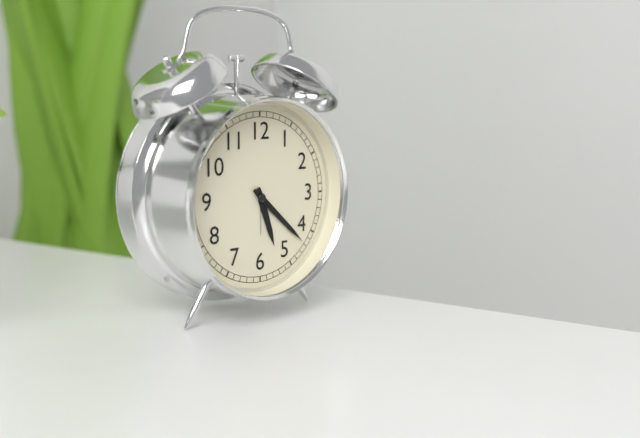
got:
5:22
